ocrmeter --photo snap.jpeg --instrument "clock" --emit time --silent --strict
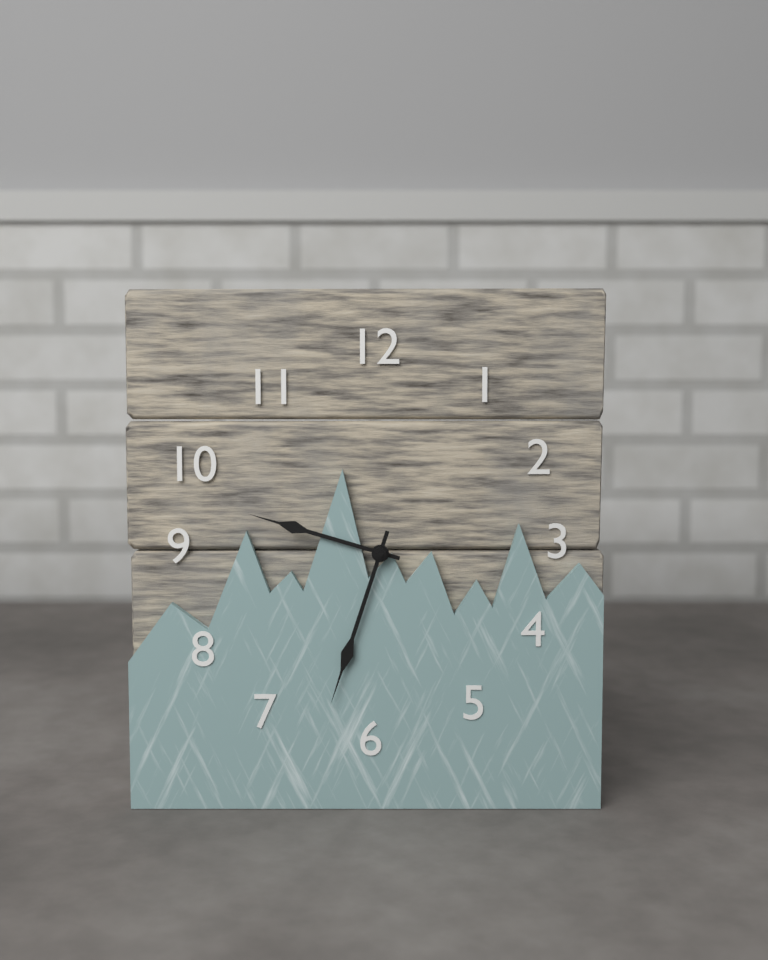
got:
9:33
